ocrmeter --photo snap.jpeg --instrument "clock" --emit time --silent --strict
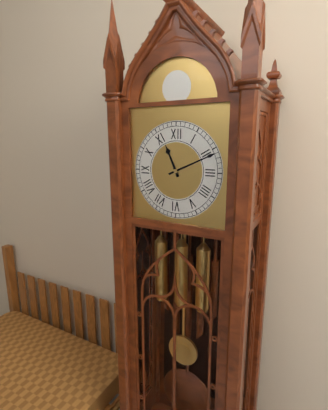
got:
11:11
